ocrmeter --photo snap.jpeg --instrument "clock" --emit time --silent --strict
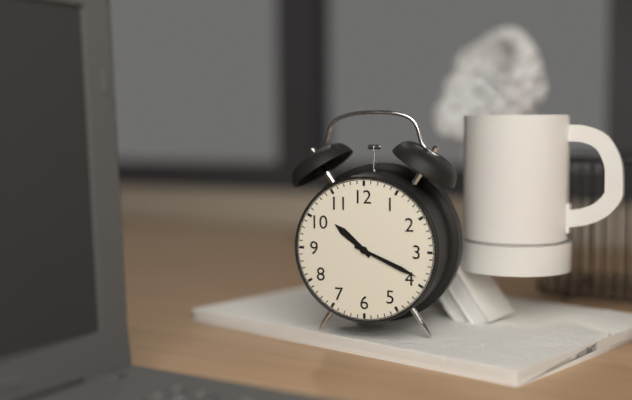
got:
10:19
